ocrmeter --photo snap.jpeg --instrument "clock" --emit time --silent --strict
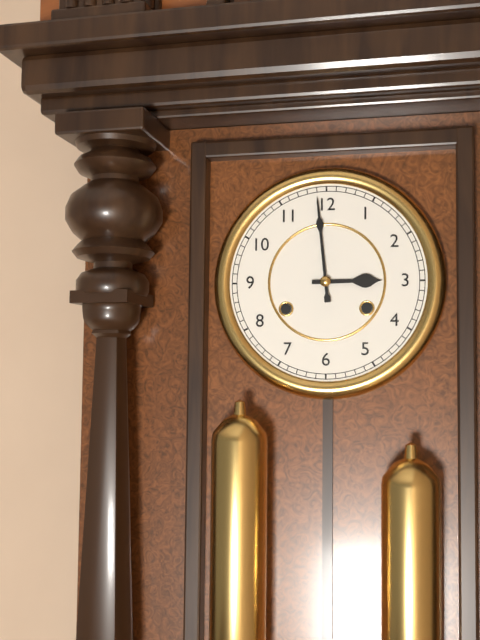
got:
2:59
